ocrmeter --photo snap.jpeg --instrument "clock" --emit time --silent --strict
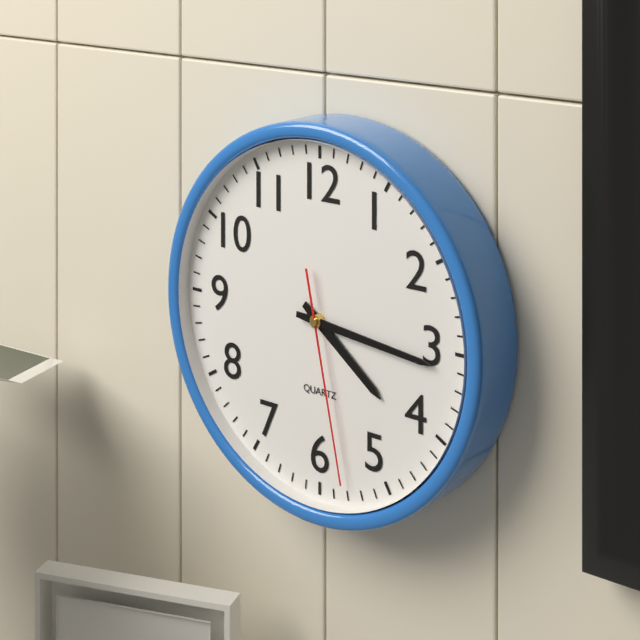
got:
4:16:28
